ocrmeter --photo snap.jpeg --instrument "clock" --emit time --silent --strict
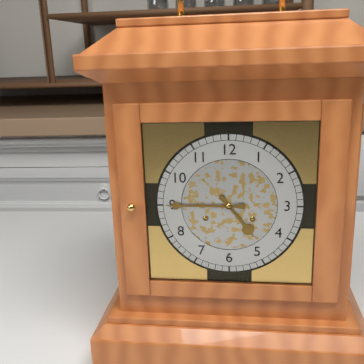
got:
4:45
